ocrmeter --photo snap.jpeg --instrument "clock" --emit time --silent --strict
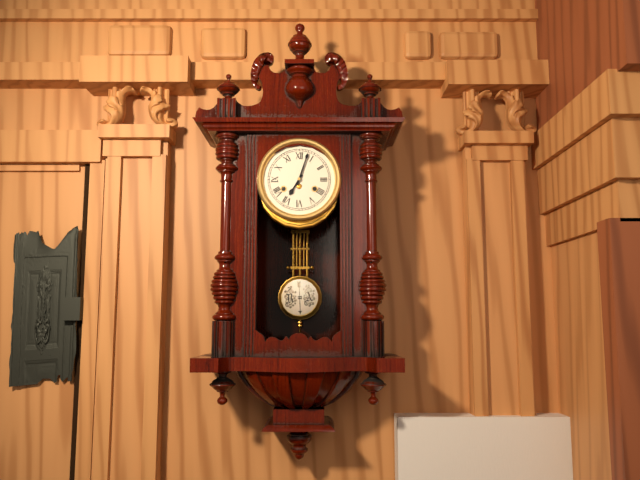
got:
7:03
